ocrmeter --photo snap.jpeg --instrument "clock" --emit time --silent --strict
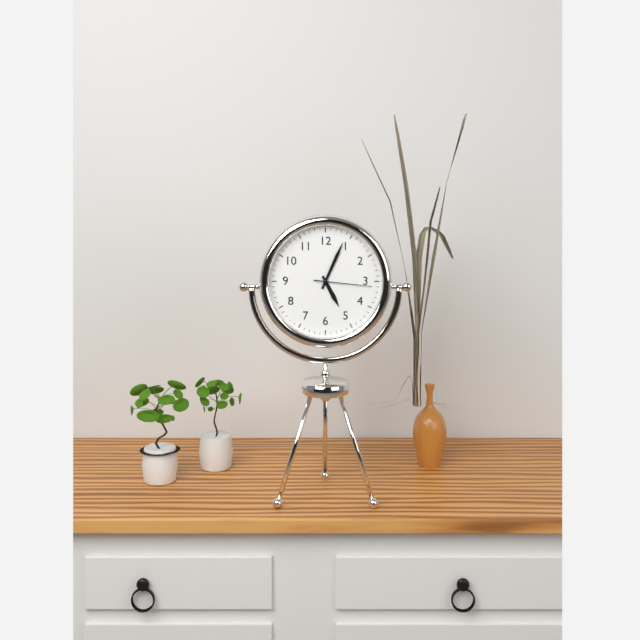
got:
5:04:16
